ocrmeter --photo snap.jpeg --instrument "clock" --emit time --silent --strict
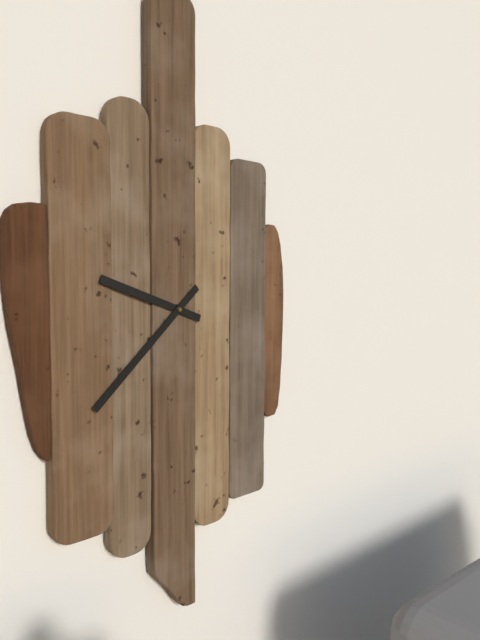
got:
9:38
